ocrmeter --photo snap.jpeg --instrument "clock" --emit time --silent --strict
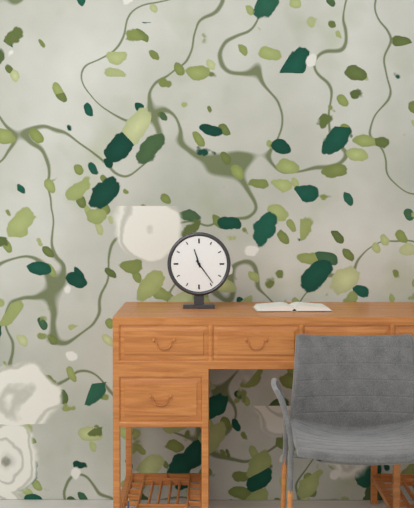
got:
11:24
